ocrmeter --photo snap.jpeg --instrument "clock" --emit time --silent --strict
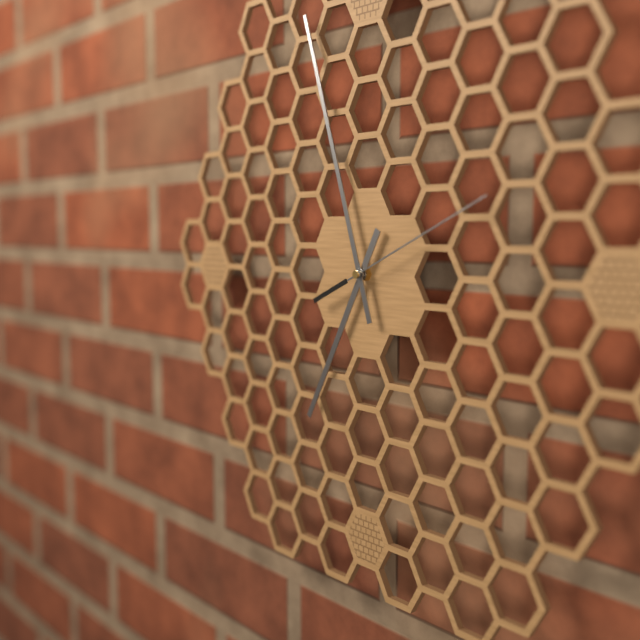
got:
6:57:11
